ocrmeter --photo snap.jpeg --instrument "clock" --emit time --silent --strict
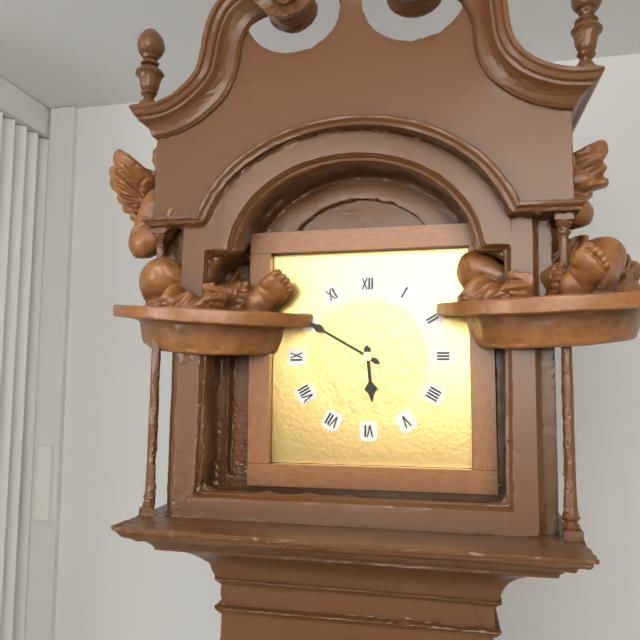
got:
5:50
